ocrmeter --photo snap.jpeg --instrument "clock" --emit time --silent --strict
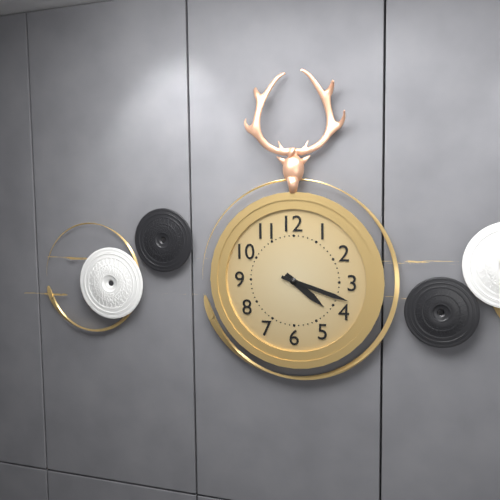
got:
4:18
